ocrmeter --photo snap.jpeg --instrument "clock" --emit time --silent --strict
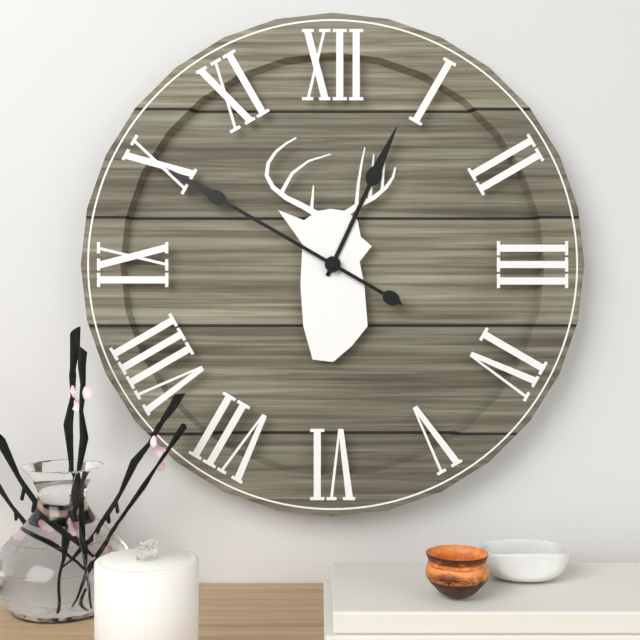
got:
12:50
